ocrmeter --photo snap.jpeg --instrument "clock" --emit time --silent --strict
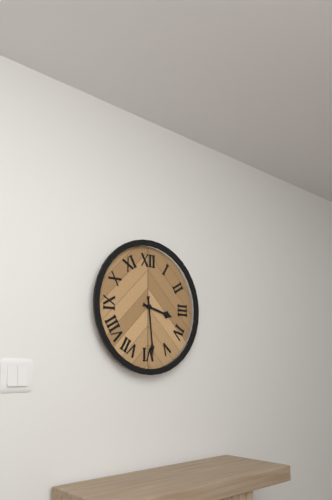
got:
3:29
